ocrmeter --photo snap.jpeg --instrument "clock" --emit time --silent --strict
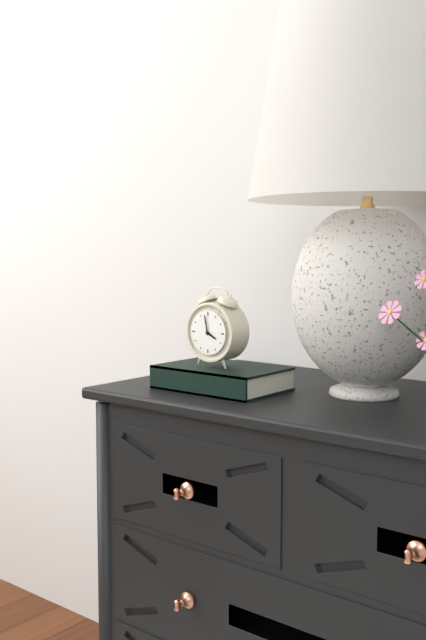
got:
3:58
